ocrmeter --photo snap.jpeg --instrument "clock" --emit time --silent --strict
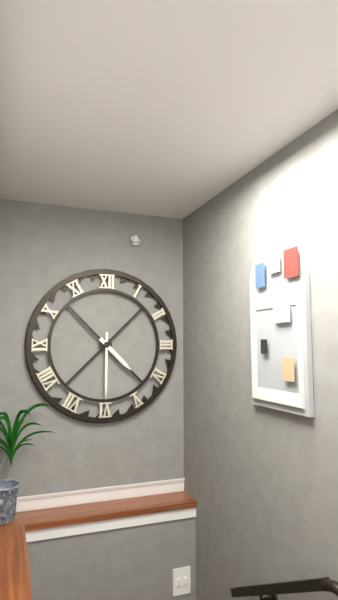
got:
4:30
